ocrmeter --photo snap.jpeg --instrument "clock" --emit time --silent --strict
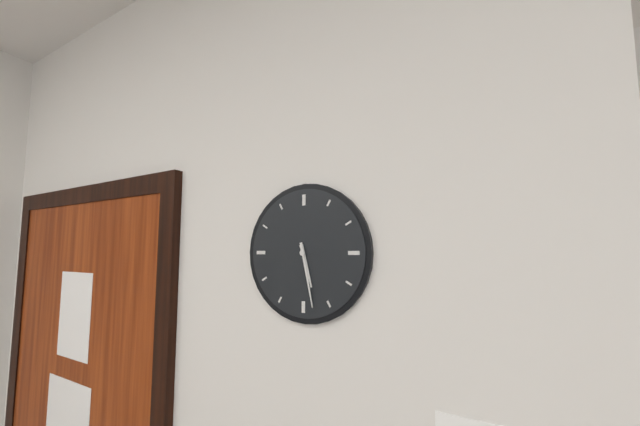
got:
5:28
